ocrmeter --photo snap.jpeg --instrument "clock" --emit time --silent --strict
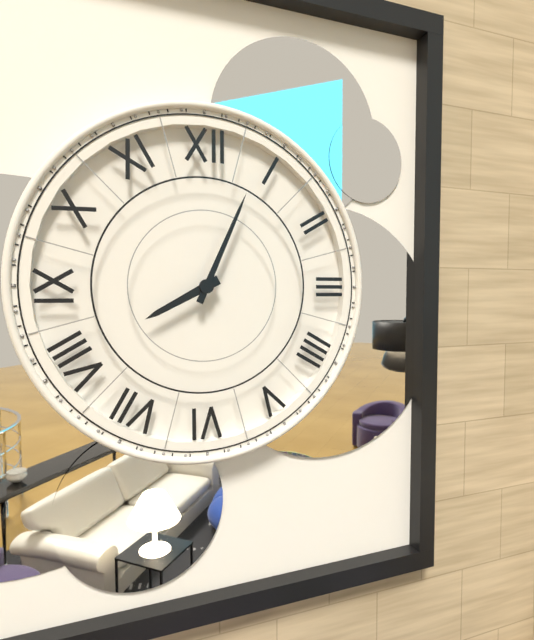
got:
8:04
